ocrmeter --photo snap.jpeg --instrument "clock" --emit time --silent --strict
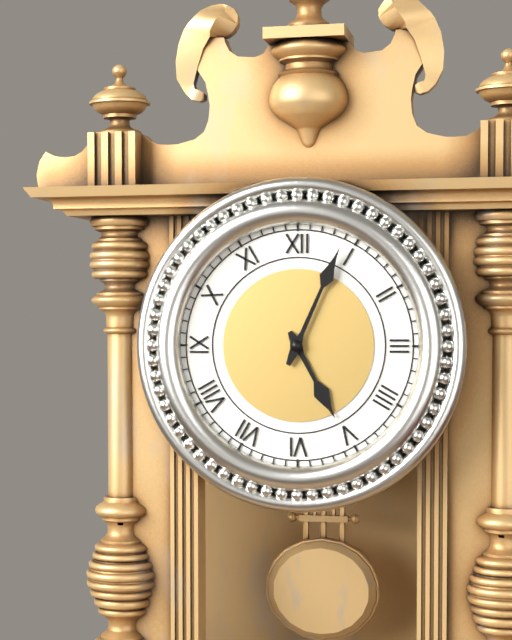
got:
5:04
